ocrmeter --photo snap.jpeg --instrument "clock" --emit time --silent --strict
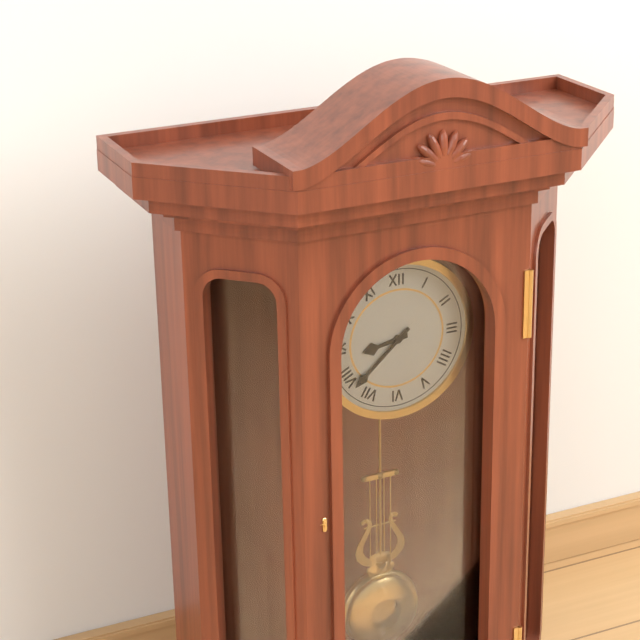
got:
8:38
